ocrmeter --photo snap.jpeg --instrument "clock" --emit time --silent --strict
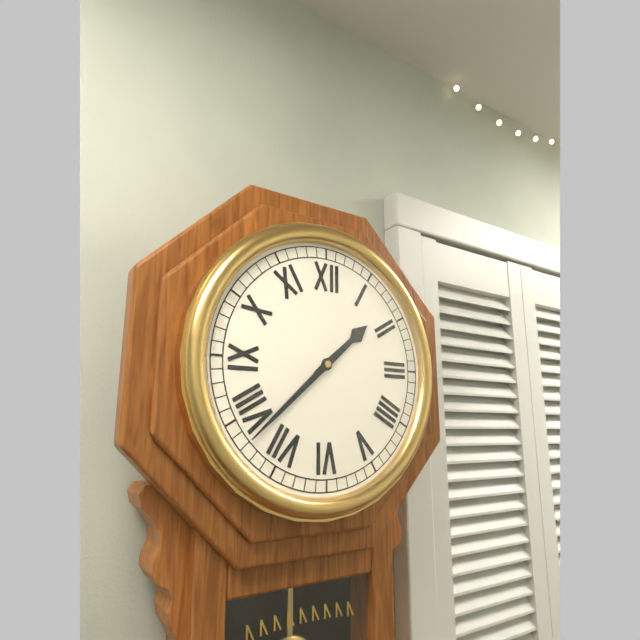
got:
1:38
